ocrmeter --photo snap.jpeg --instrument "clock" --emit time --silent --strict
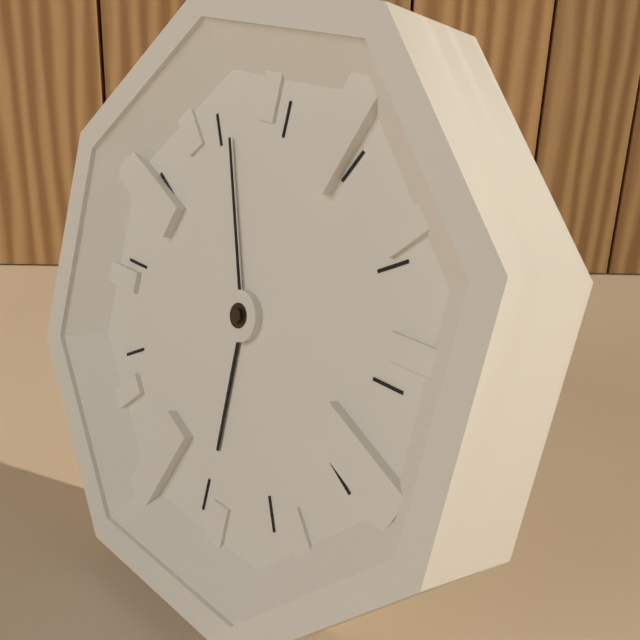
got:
5:56
